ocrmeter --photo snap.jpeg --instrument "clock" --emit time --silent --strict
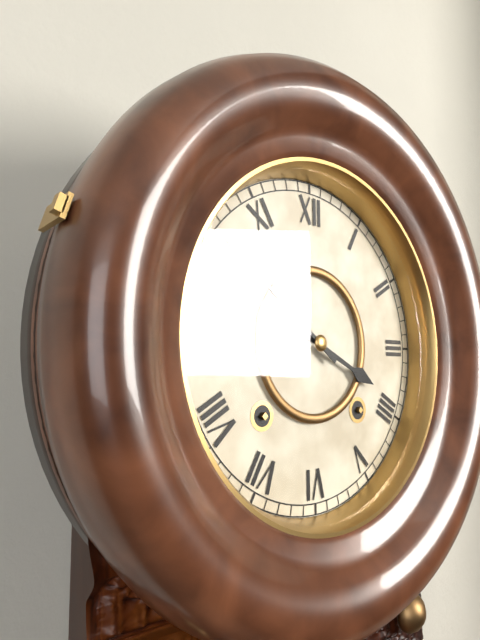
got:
3:51
